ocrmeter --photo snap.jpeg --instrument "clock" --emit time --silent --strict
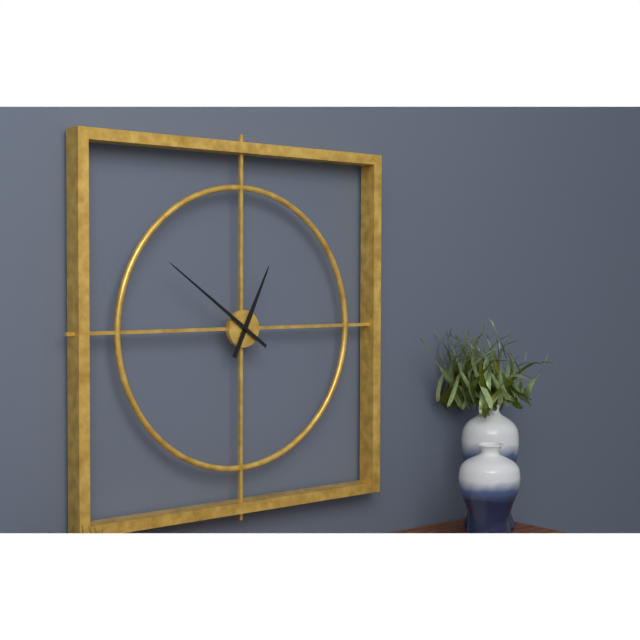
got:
12:51
